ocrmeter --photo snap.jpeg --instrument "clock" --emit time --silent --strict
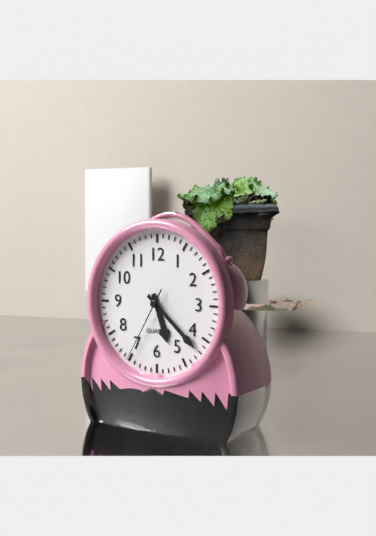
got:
5:22:35
